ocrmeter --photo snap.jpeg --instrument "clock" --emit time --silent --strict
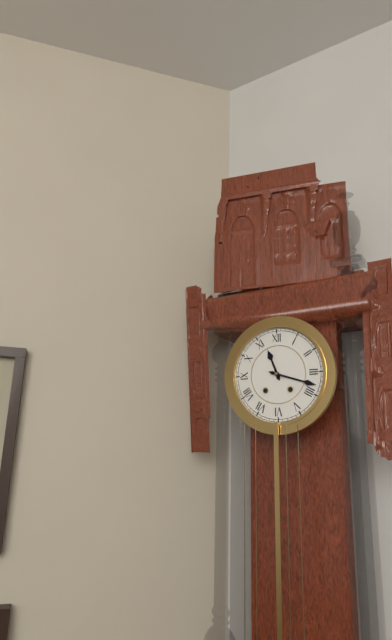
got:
11:18
